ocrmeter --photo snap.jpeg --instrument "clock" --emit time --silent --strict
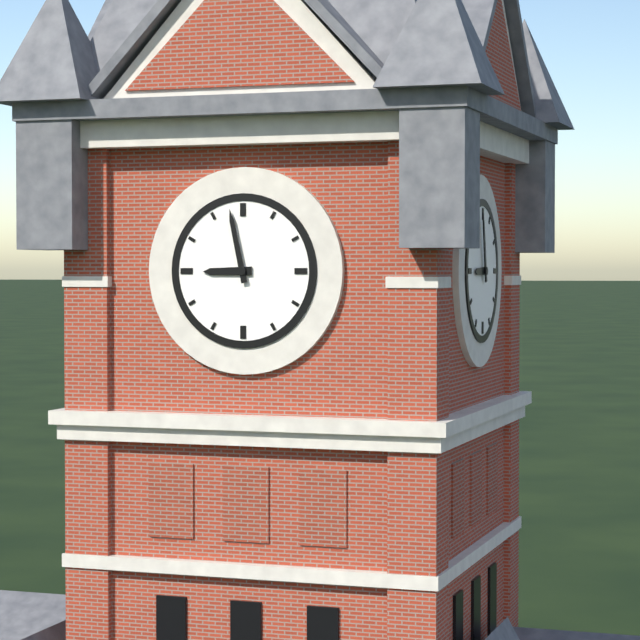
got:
8:58
